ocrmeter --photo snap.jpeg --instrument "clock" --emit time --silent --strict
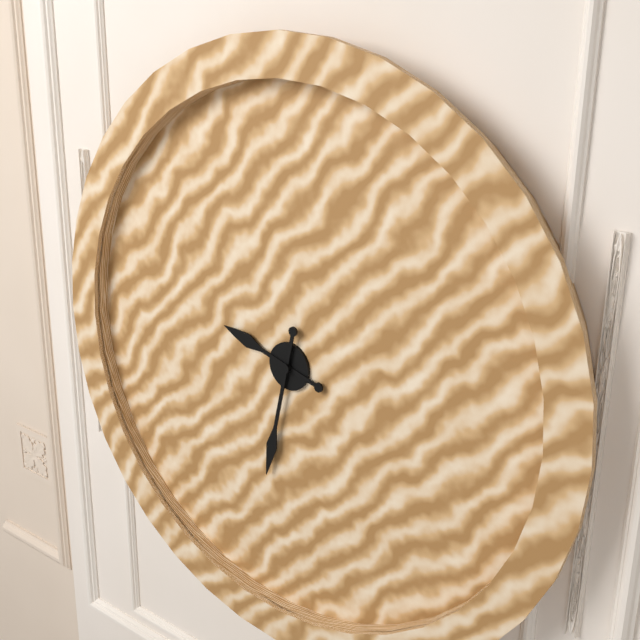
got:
9:32
